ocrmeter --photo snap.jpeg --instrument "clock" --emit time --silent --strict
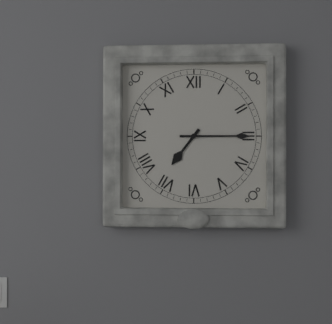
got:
7:15
